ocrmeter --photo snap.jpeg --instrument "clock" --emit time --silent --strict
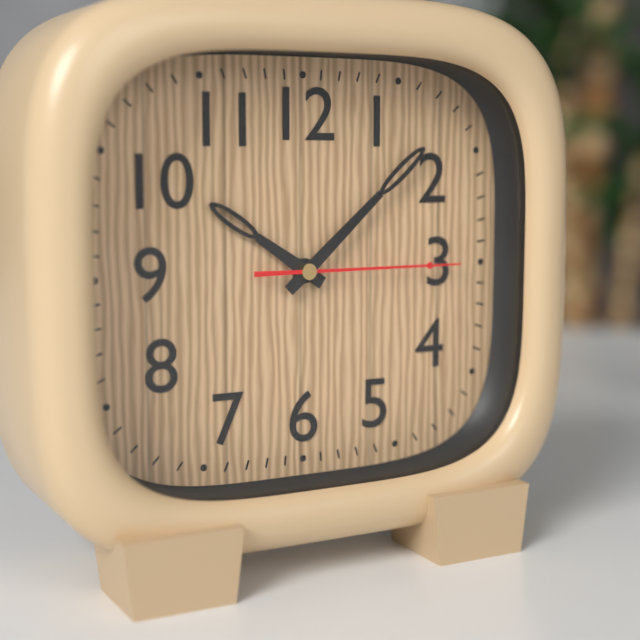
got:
10:08:15
